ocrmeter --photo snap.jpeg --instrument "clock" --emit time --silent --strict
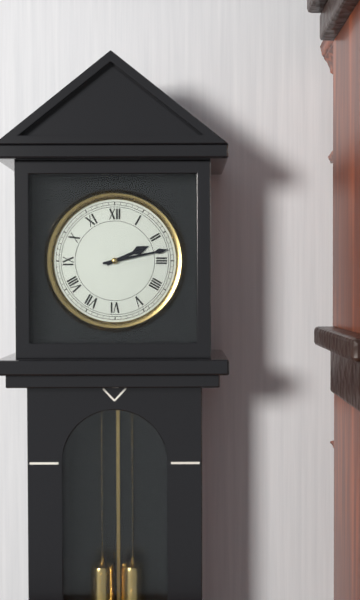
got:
2:13
